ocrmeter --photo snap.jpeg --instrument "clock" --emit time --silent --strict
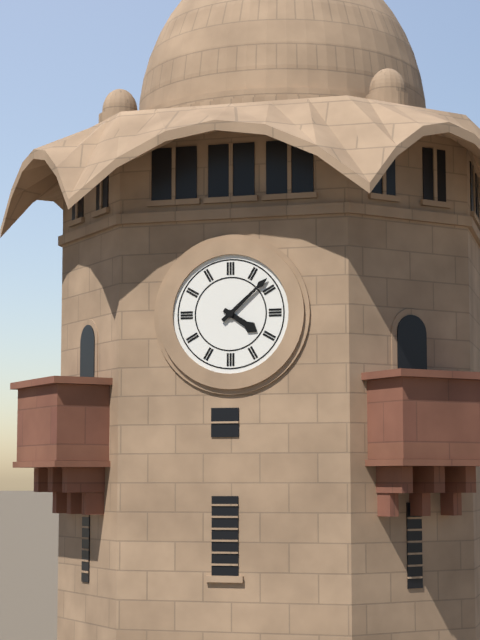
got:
4:08
